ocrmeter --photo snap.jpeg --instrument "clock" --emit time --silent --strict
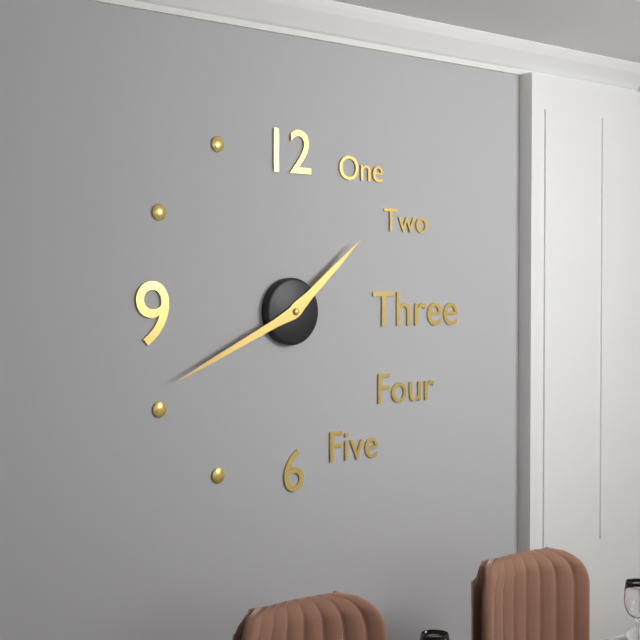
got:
1:41
